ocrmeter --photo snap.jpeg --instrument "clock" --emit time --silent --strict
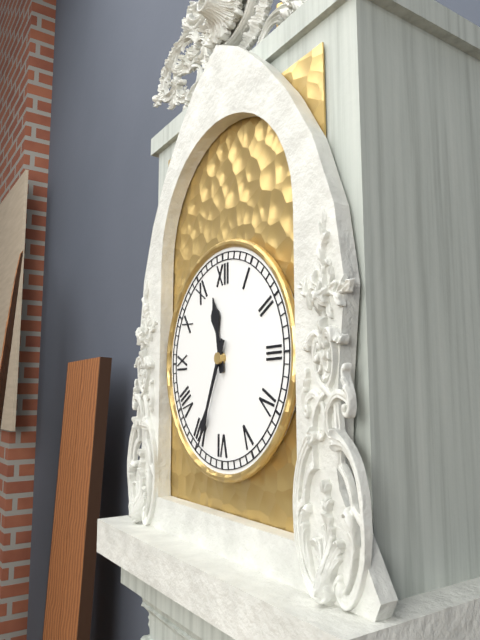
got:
11:34
